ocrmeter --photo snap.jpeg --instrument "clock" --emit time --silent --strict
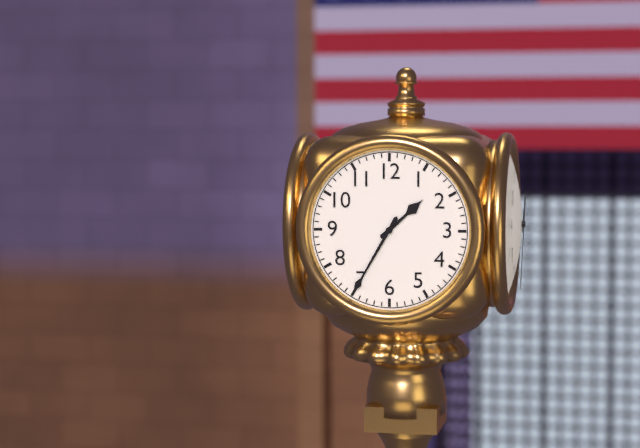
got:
1:35
